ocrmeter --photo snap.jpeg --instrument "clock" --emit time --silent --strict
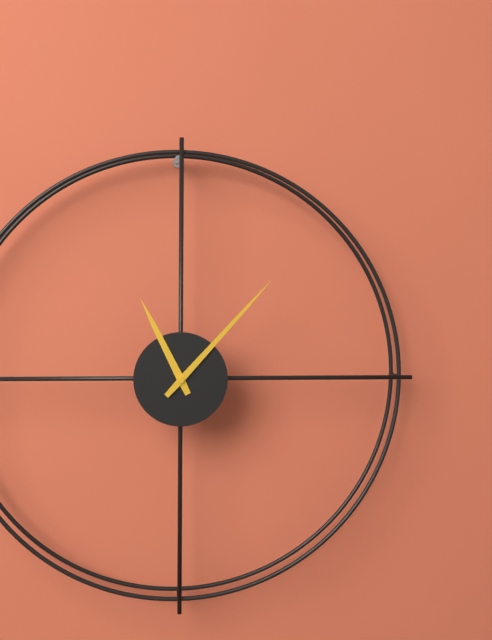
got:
11:07
